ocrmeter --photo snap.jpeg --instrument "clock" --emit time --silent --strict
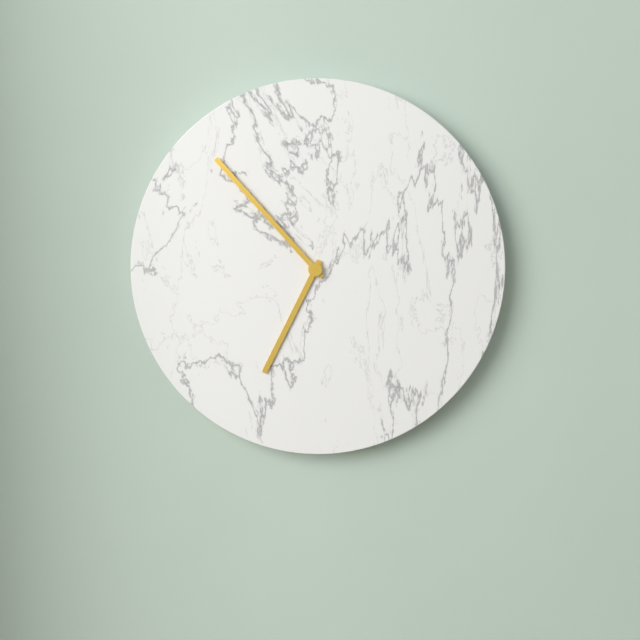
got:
6:53
